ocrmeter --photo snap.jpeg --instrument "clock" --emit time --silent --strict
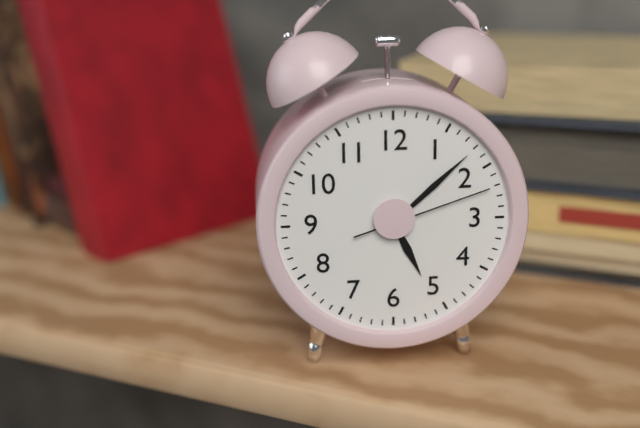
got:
5:08:12
